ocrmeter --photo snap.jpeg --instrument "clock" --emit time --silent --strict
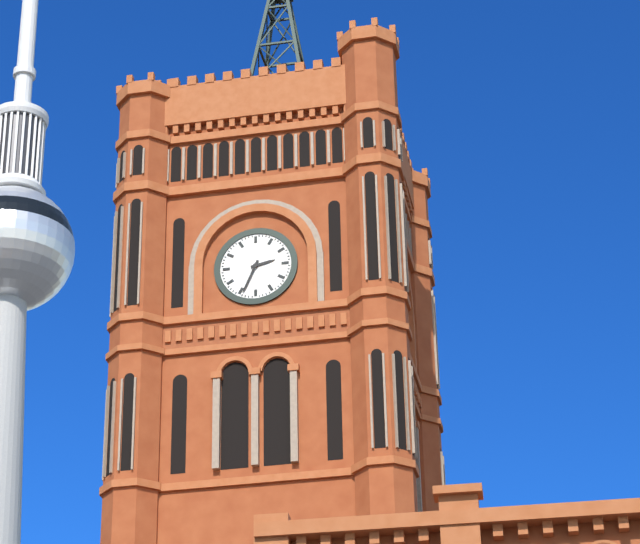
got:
2:34
